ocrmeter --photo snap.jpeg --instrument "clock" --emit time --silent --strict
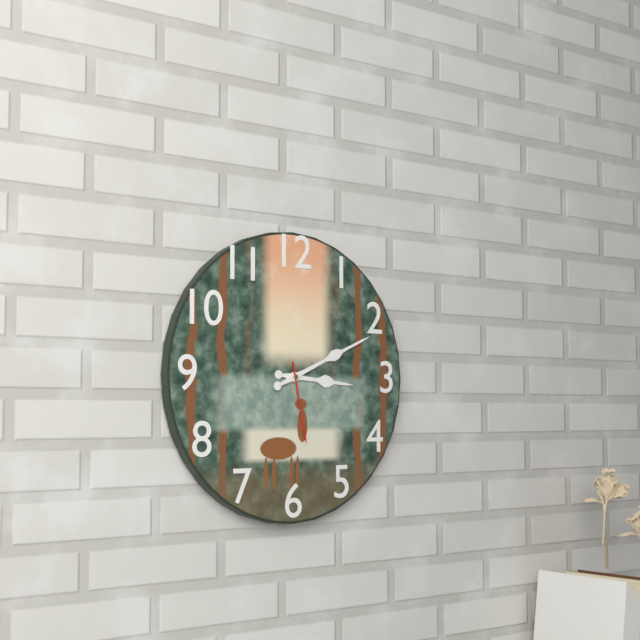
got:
3:11:28
